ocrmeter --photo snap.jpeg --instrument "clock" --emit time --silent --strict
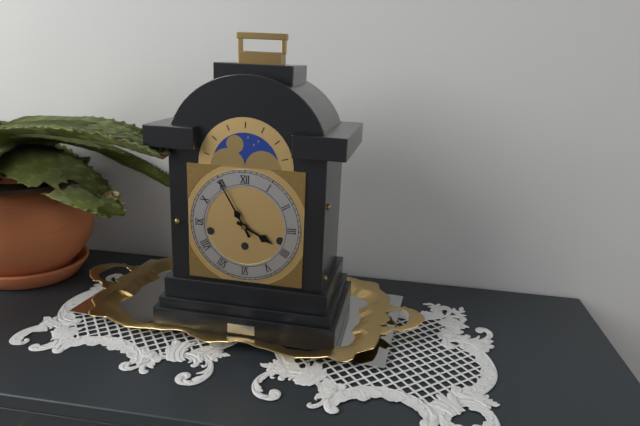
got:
3:55
